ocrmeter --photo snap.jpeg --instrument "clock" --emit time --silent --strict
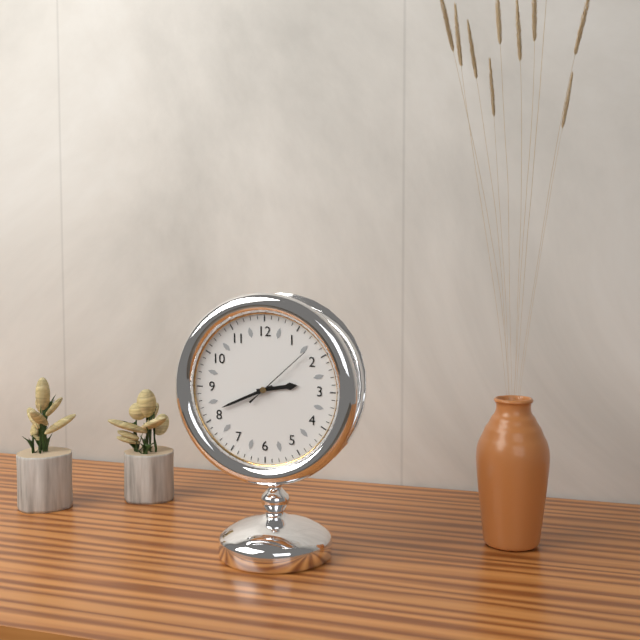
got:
2:41:08
